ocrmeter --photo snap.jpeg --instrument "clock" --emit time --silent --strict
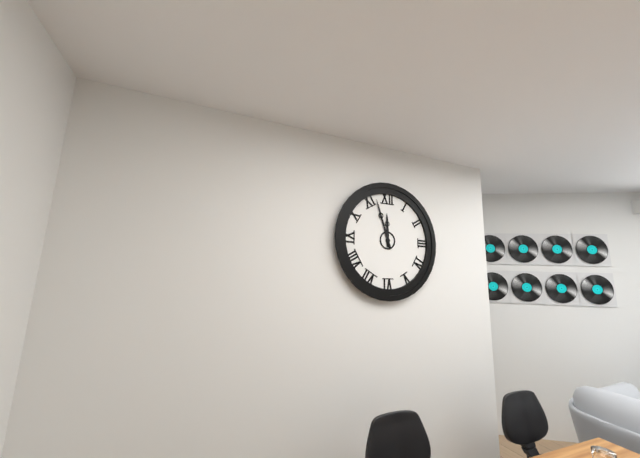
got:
11:57
